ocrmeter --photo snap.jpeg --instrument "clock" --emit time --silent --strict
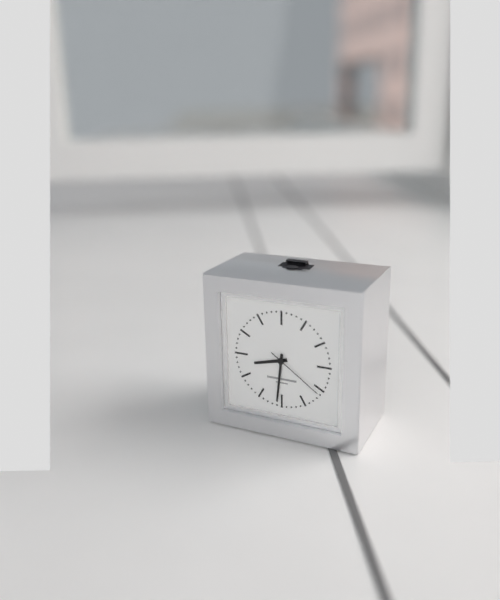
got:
8:31:21
